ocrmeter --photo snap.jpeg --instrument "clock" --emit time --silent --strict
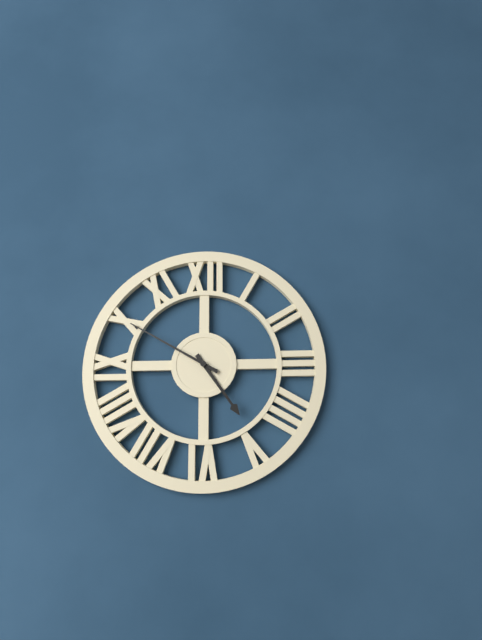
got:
4:50
